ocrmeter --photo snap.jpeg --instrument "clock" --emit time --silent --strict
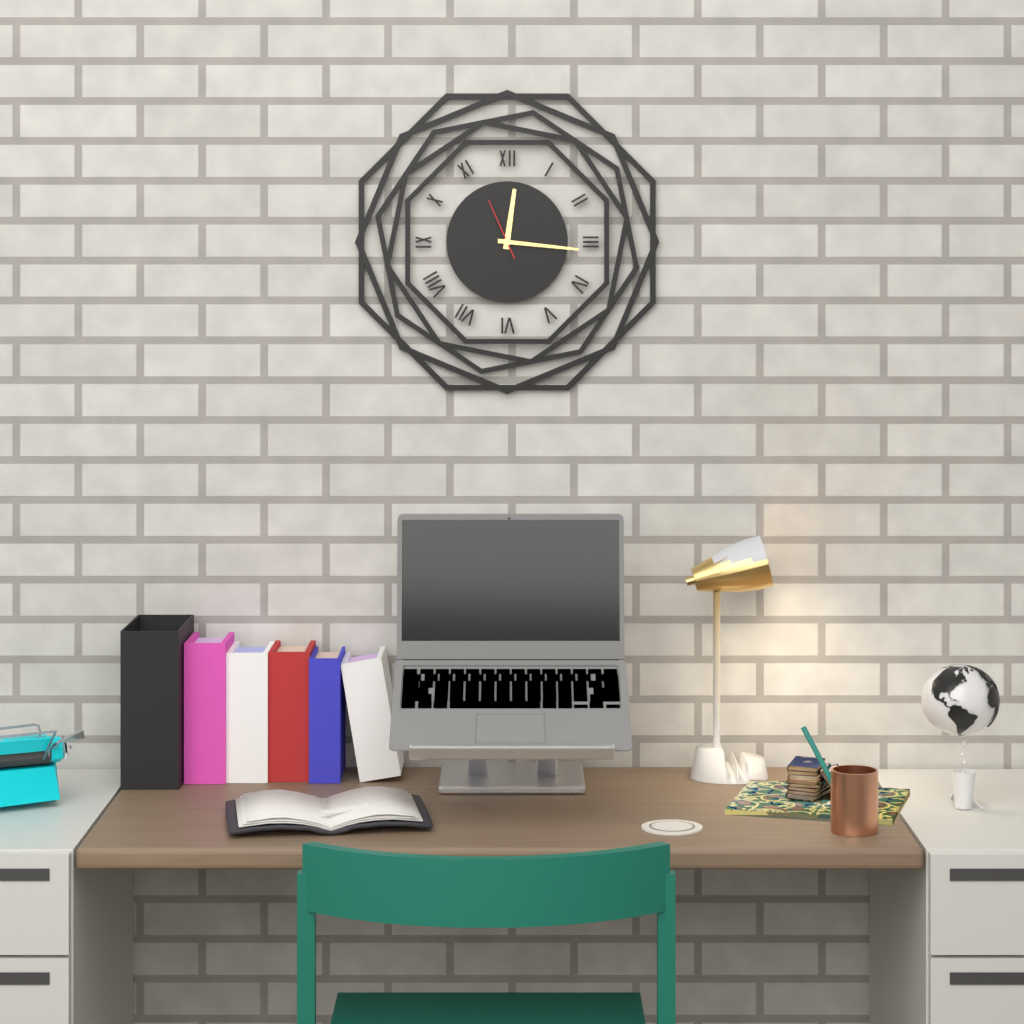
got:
12:16:56
